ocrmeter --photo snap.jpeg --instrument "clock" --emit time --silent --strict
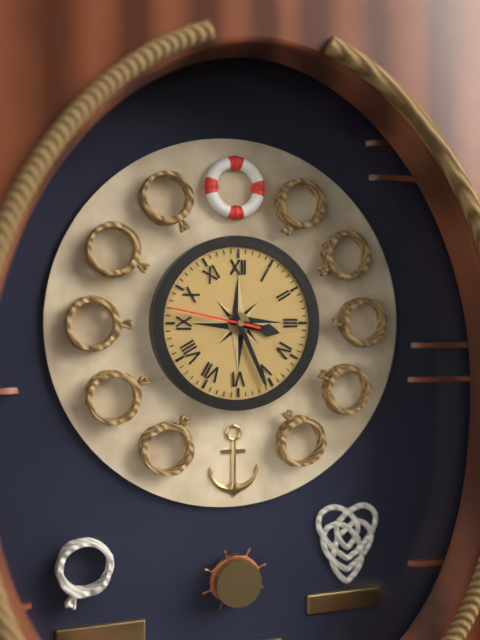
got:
3:26:47
